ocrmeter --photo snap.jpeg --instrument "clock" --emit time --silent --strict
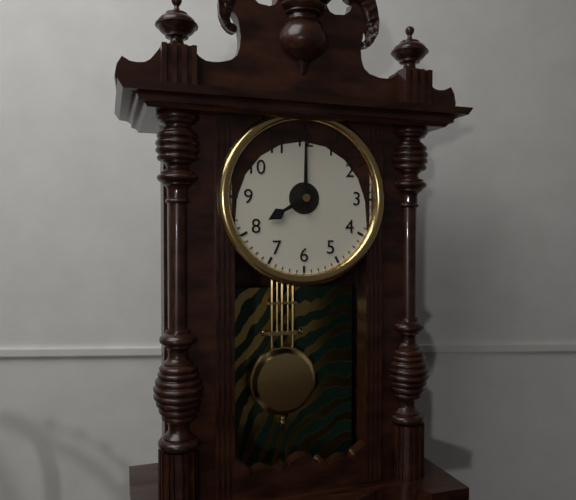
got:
8:00
